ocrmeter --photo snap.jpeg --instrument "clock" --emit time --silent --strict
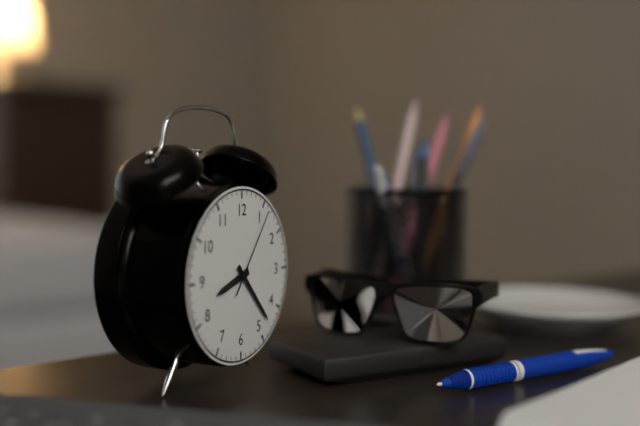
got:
8:23:06
